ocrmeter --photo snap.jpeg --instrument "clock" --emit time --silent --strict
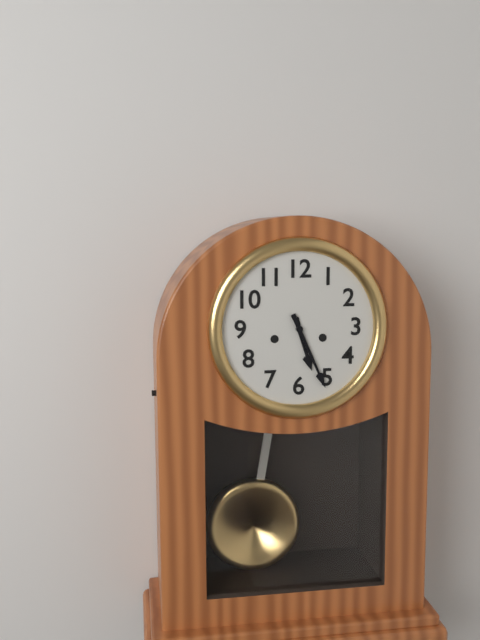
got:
5:26
